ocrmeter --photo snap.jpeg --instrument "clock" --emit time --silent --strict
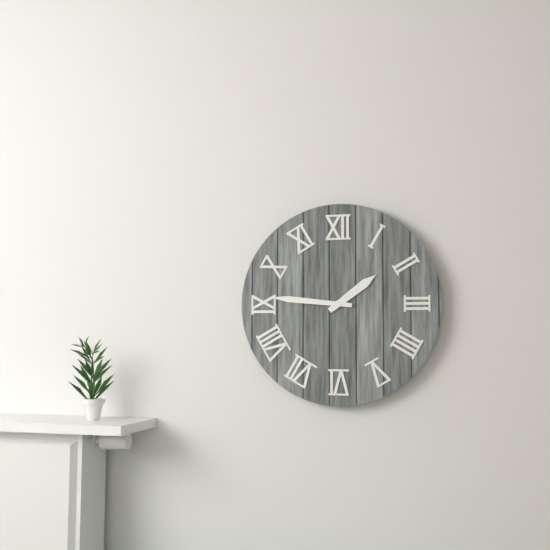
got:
1:46
